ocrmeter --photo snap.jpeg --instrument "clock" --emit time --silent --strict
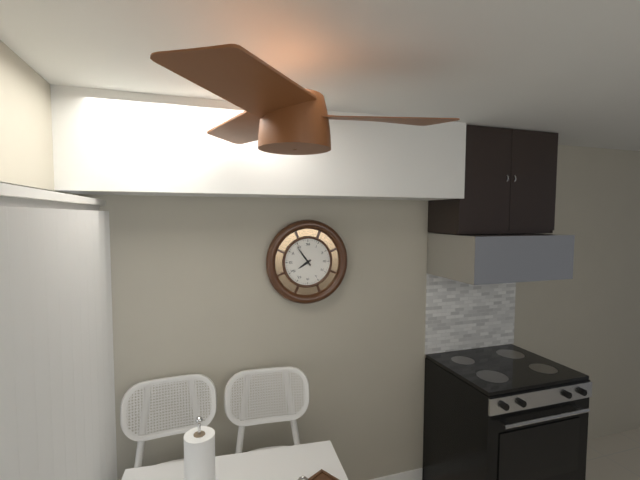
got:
7:54
